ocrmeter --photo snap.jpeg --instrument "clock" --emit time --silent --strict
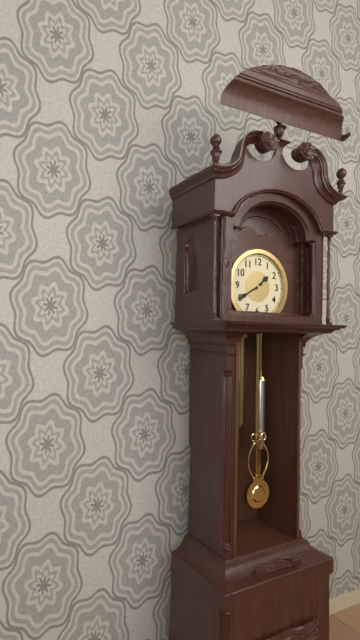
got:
1:40
